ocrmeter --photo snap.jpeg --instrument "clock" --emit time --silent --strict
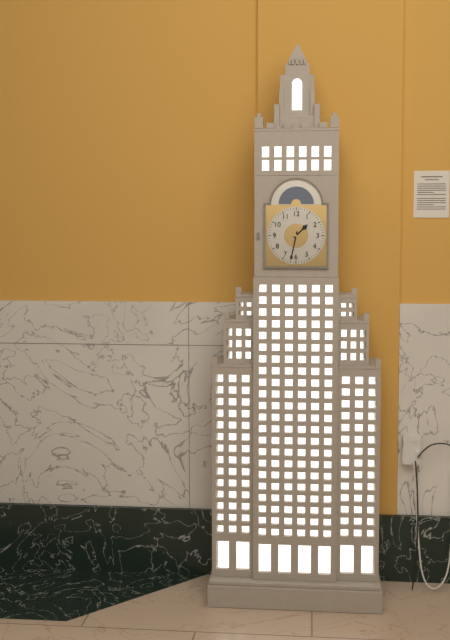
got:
1:32
